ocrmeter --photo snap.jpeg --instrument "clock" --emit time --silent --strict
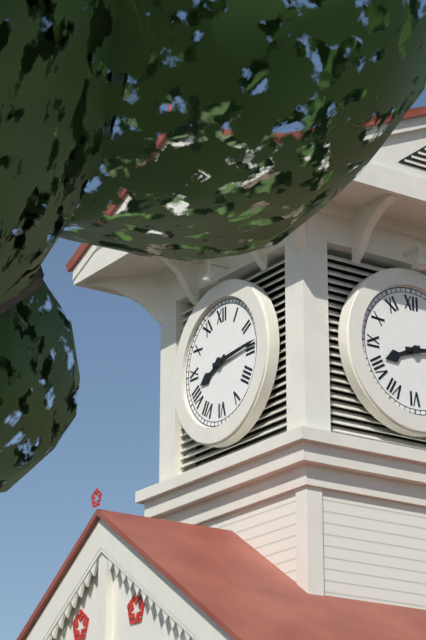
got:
8:14
